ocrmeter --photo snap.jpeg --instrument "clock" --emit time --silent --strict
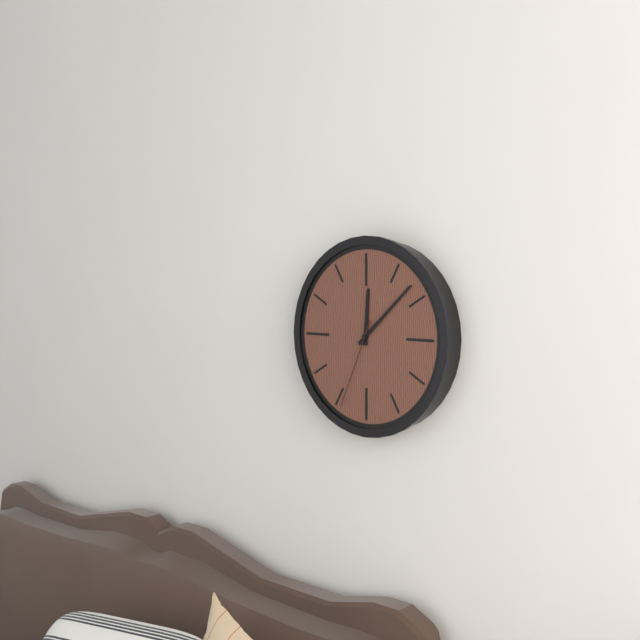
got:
12:08:34
